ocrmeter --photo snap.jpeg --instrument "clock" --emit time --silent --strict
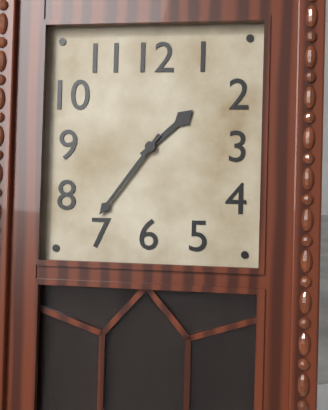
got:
1:36
